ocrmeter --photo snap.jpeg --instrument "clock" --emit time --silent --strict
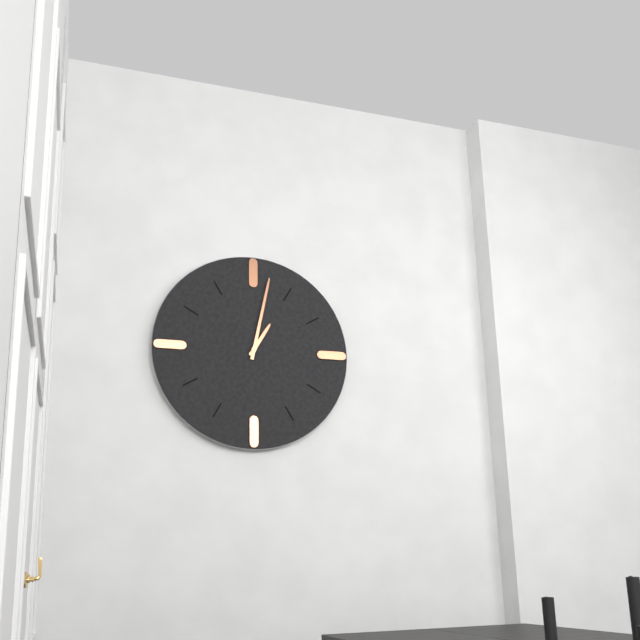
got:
1:02
